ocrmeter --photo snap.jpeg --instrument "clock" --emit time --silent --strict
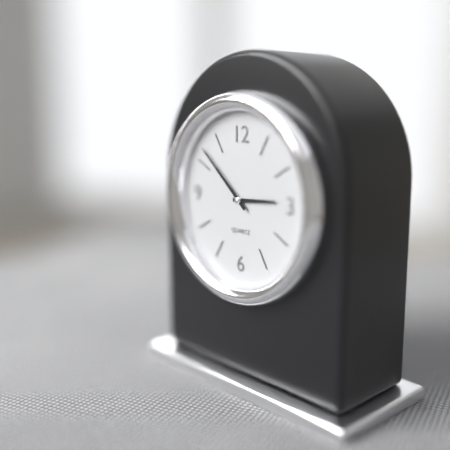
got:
2:52
